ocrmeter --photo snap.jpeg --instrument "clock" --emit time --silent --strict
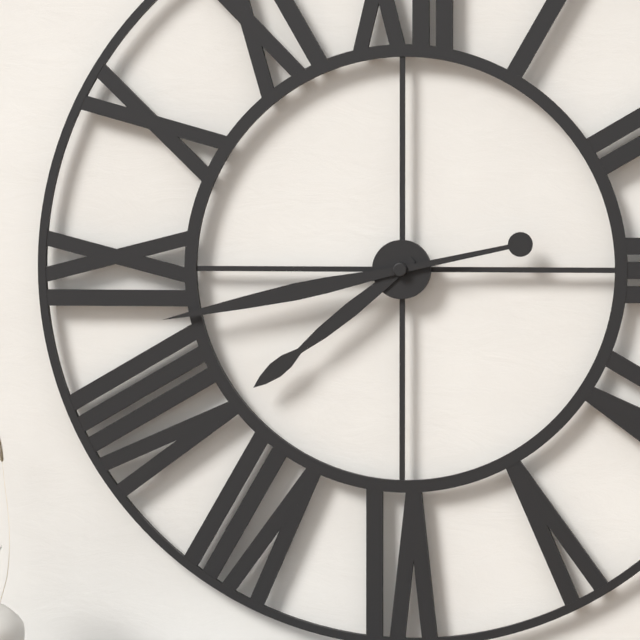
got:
7:43
